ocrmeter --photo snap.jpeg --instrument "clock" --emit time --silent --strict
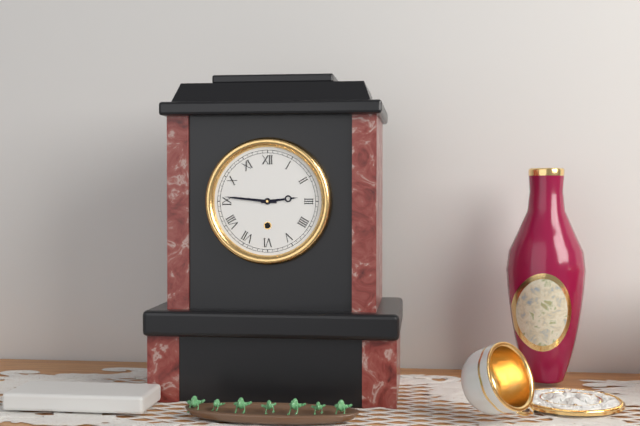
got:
2:46
